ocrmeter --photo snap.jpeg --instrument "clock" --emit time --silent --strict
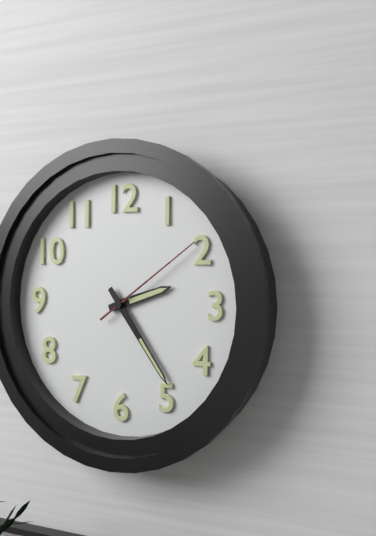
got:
2:24:09
